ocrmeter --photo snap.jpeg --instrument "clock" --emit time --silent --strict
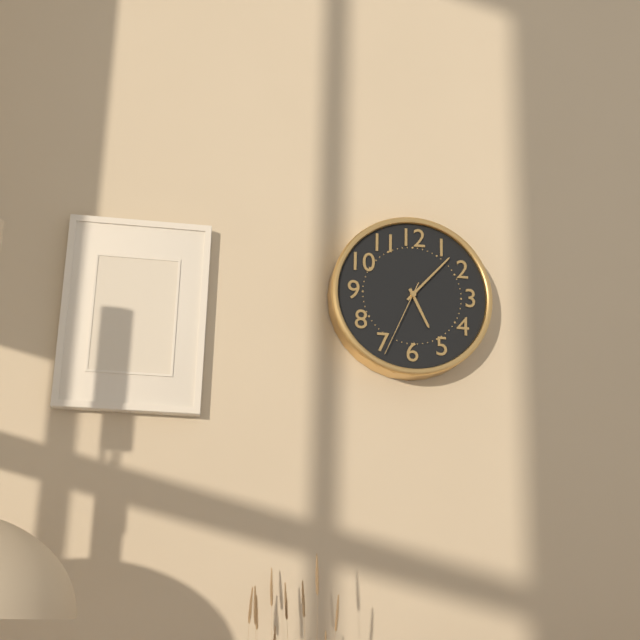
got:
5:07:34
